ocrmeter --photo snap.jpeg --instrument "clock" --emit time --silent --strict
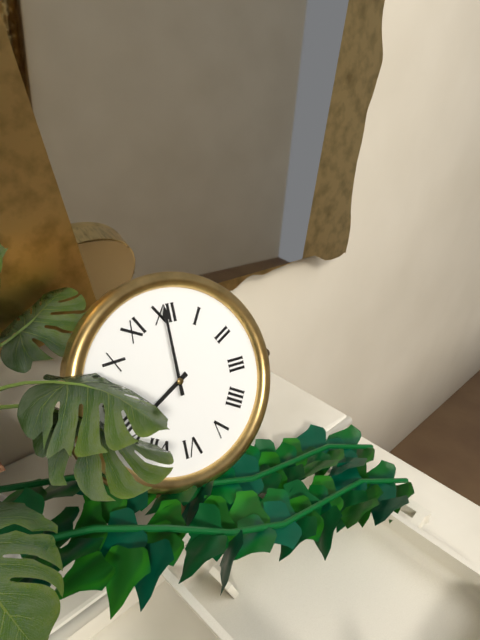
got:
8:00
